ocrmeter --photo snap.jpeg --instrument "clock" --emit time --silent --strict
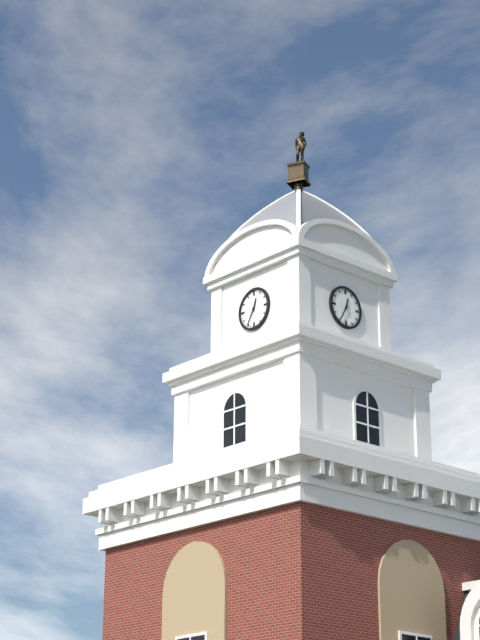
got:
12:35
